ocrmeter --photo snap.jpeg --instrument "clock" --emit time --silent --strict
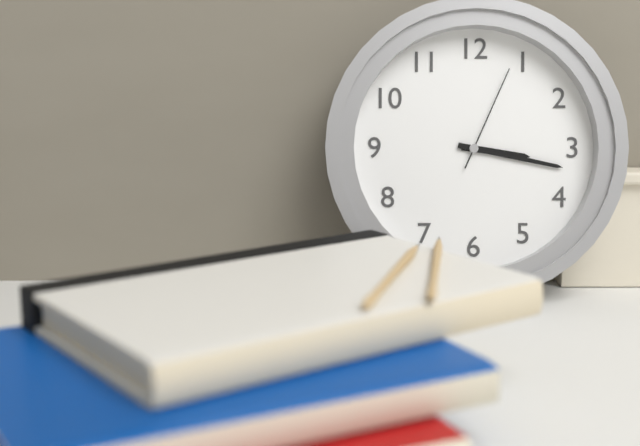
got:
3:17:04
